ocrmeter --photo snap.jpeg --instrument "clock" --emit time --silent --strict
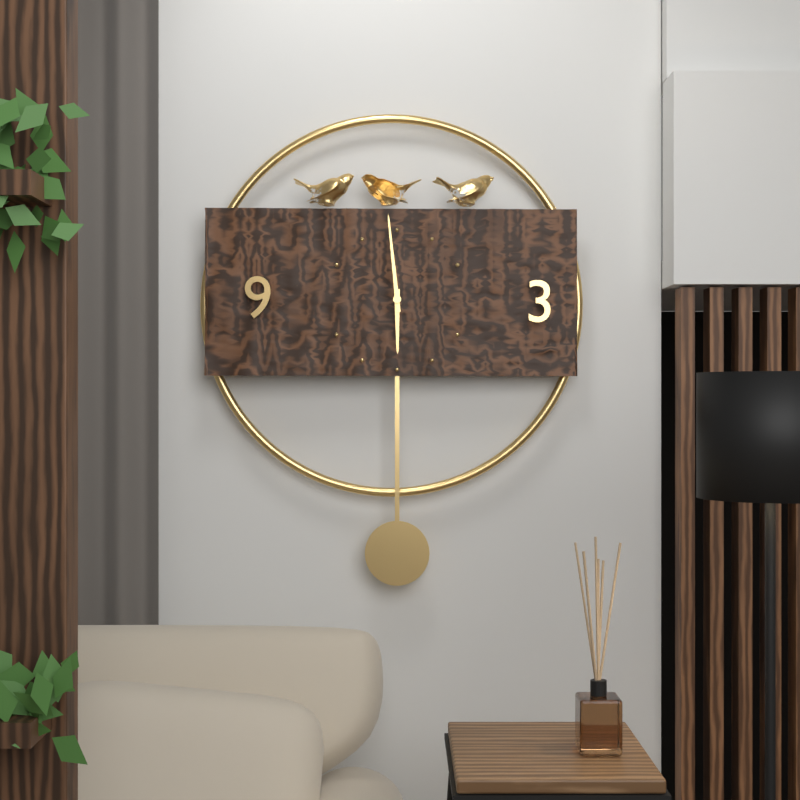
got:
5:59
